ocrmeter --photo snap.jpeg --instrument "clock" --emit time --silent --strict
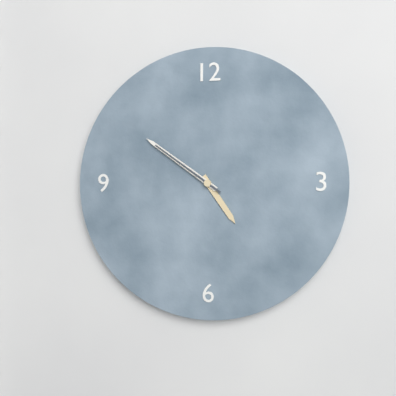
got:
4:51:51
